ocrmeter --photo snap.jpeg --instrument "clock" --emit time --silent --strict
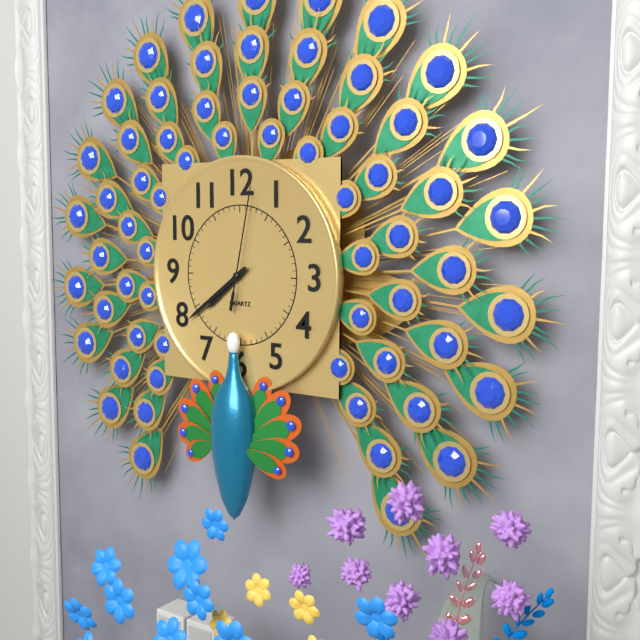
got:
7:39:02
